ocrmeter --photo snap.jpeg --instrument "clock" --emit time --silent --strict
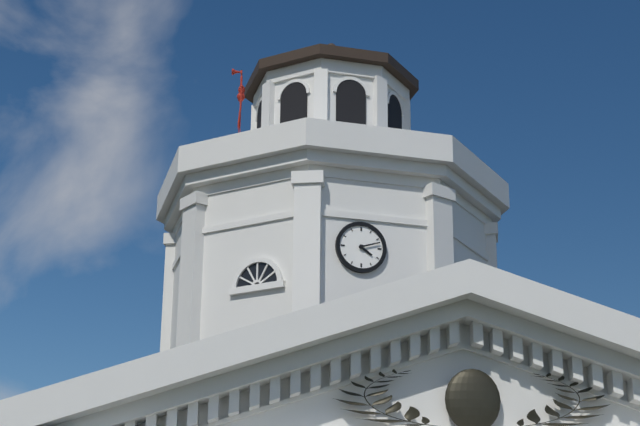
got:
4:12
